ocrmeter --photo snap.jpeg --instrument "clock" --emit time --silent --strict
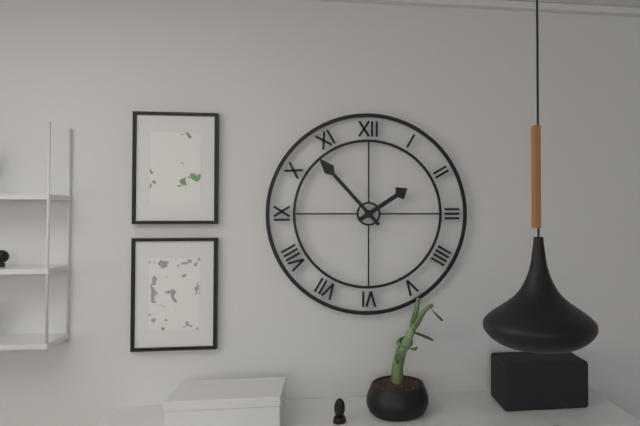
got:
1:53
